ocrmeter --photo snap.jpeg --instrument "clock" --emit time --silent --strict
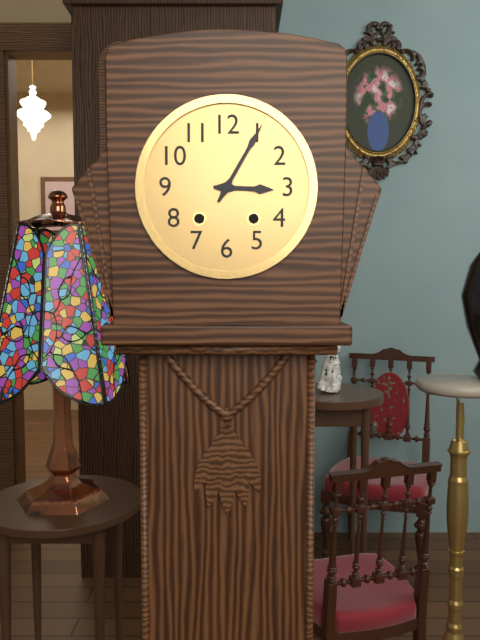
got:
3:05
